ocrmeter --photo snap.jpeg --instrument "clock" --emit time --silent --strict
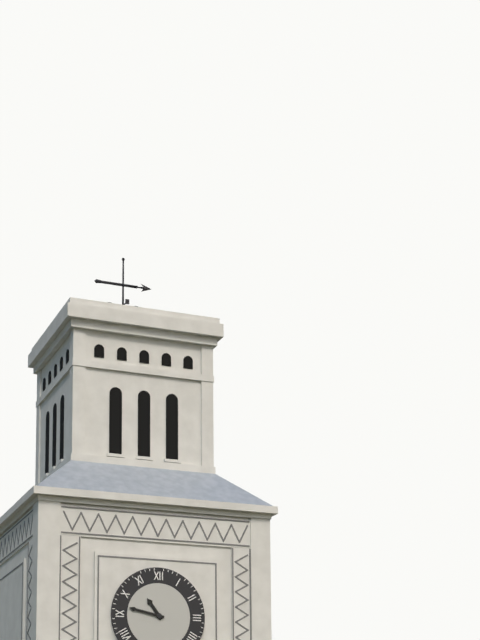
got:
10:47
